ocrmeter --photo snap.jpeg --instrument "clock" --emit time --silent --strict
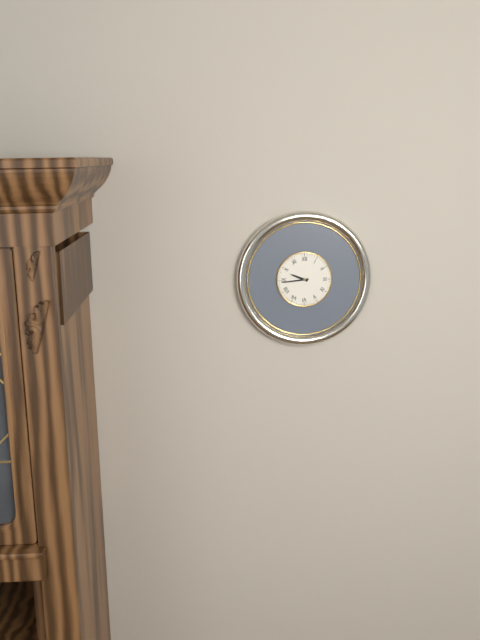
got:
9:44
